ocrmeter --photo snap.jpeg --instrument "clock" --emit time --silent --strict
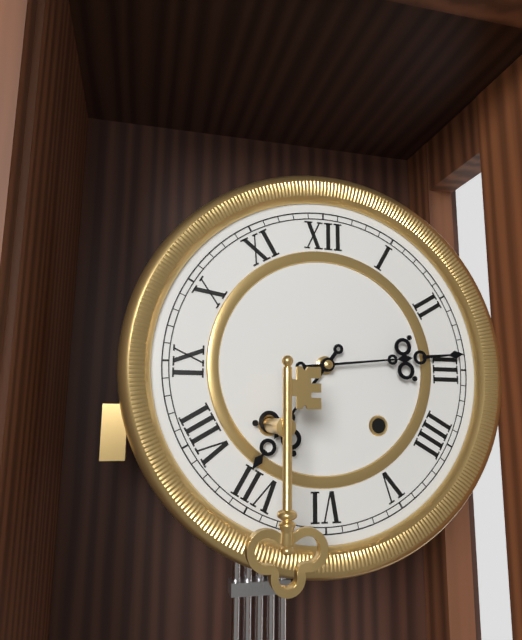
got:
7:14
